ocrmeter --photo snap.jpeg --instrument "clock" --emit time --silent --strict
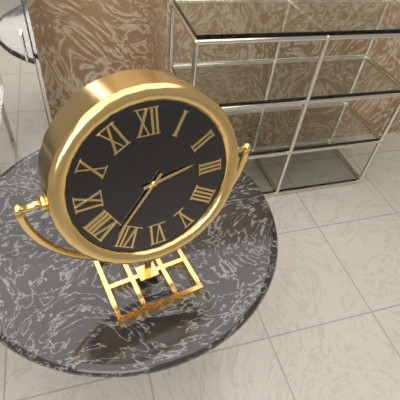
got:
2:37
